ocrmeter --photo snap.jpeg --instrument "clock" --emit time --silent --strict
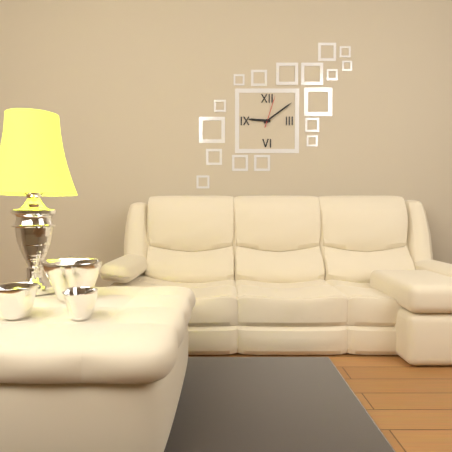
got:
9:09
